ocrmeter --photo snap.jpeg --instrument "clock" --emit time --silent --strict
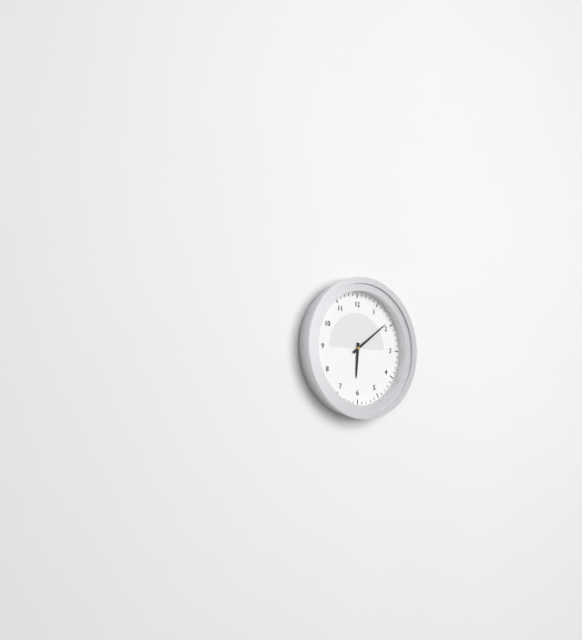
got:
6:09
